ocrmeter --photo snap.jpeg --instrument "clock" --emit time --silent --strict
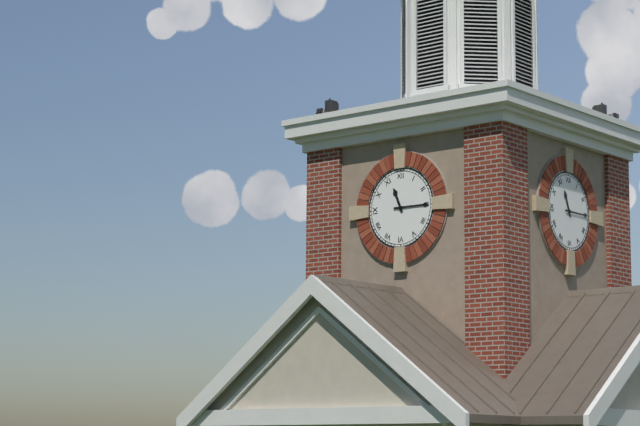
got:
11:15
